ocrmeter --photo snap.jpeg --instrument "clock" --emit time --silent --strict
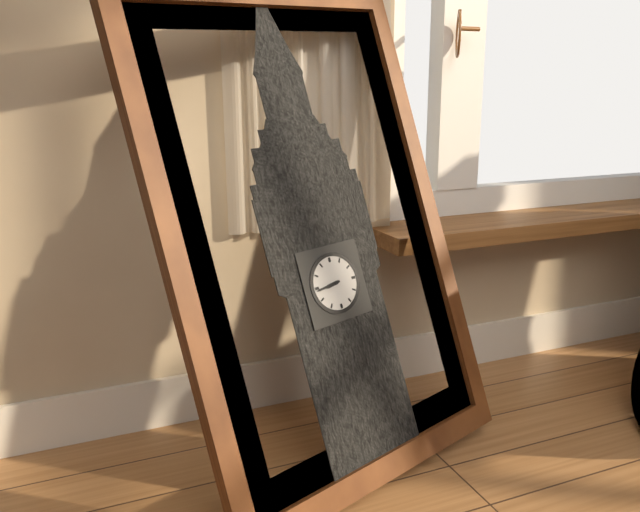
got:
8:44
